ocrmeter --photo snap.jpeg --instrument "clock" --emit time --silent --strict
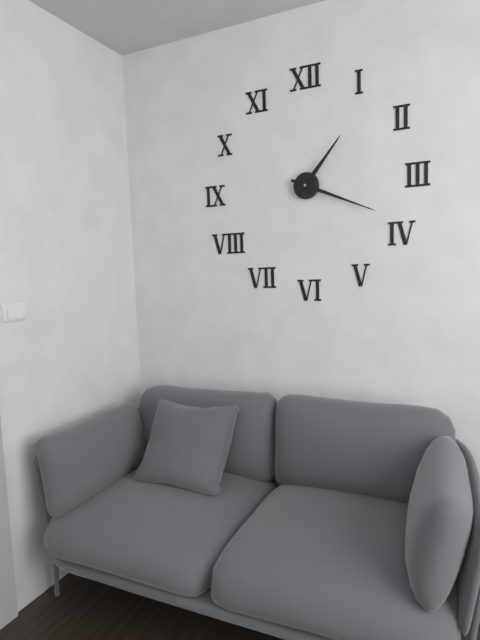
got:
1:19
